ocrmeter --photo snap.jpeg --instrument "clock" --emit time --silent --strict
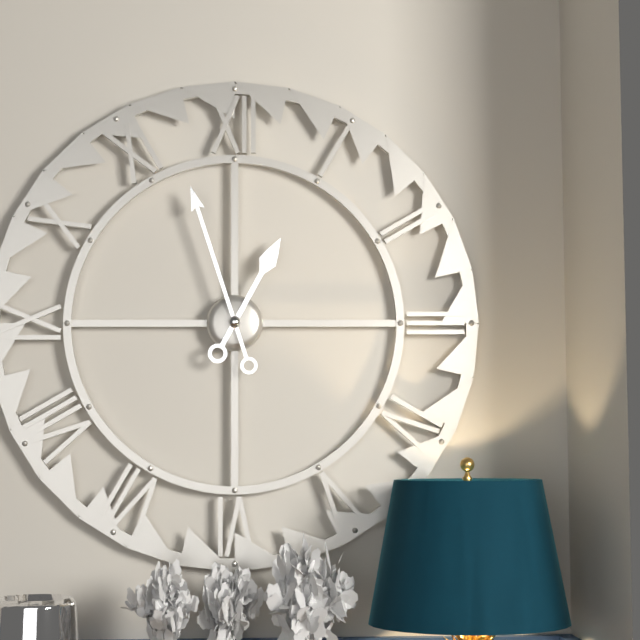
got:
12:57
